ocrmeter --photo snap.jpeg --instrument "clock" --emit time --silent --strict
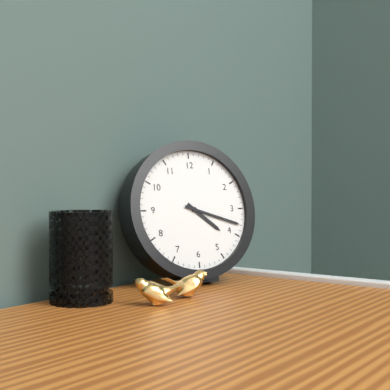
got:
4:18
